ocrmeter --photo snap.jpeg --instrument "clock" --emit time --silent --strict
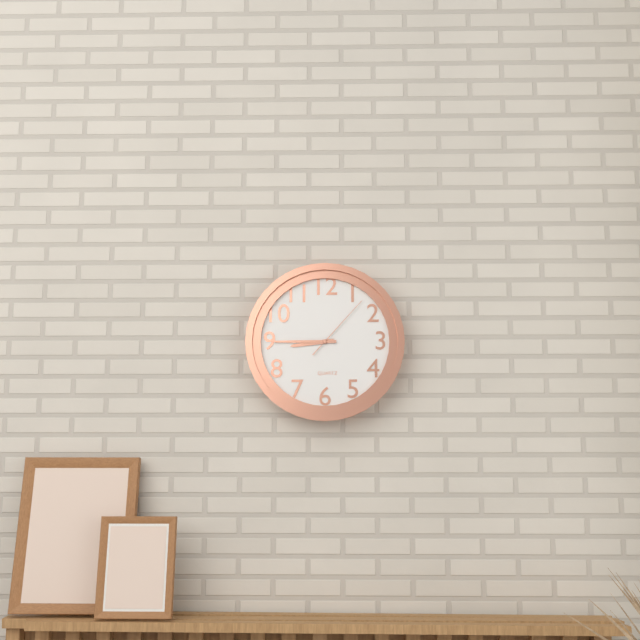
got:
8:45:07
